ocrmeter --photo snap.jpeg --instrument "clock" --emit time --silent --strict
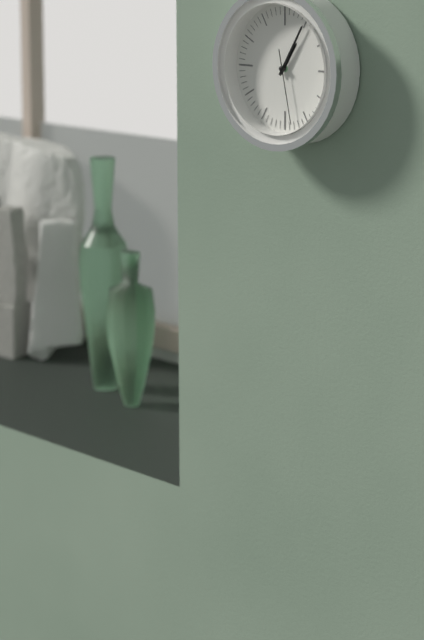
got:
1:05:28
